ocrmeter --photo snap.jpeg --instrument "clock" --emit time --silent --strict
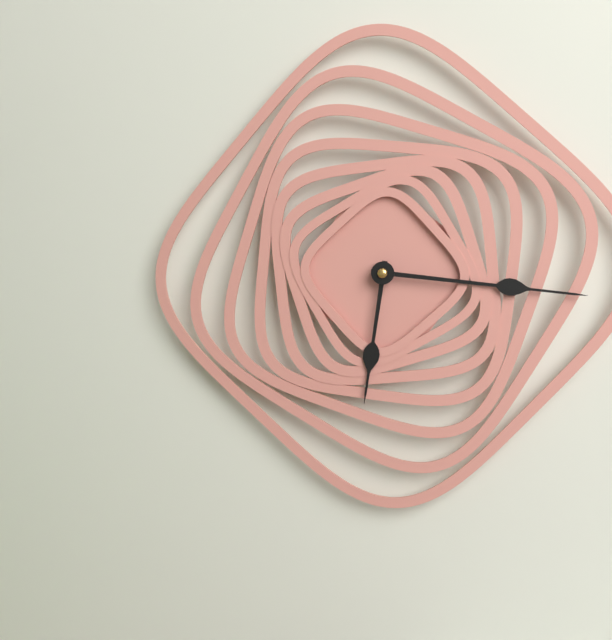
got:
6:16
